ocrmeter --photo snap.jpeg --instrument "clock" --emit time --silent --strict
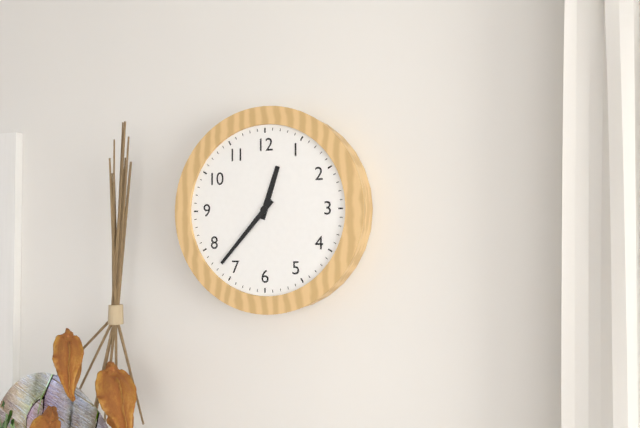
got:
12:37
